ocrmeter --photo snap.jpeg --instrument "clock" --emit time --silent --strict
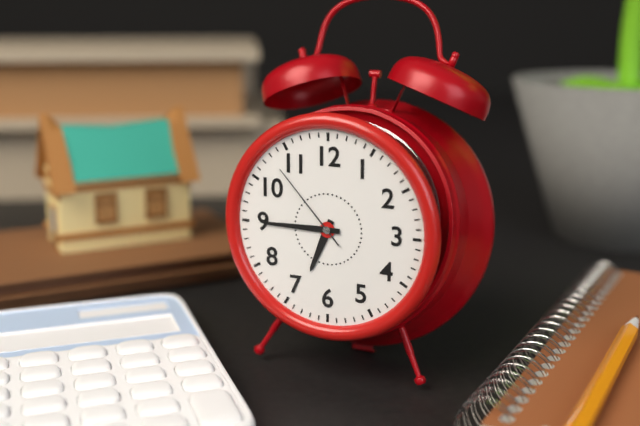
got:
6:45:53
